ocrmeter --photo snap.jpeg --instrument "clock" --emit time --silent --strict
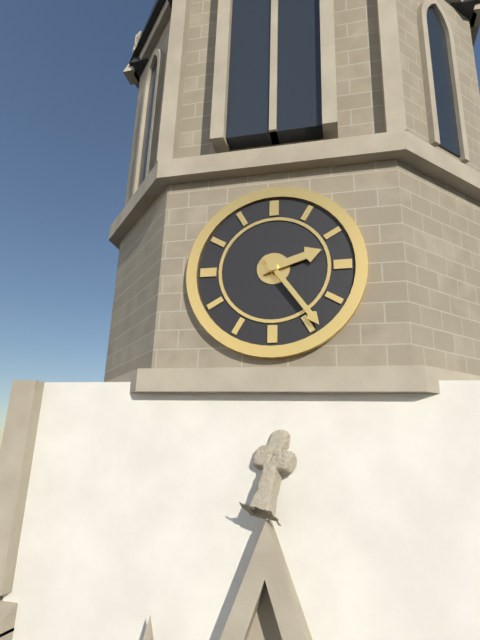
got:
2:24
